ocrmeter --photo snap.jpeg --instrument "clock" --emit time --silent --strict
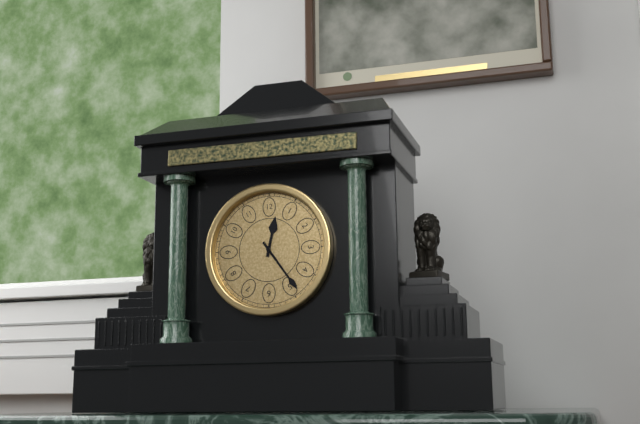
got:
12:24
